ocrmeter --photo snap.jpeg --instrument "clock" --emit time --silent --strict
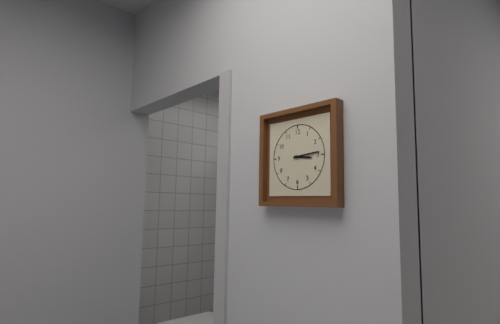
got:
3:14
